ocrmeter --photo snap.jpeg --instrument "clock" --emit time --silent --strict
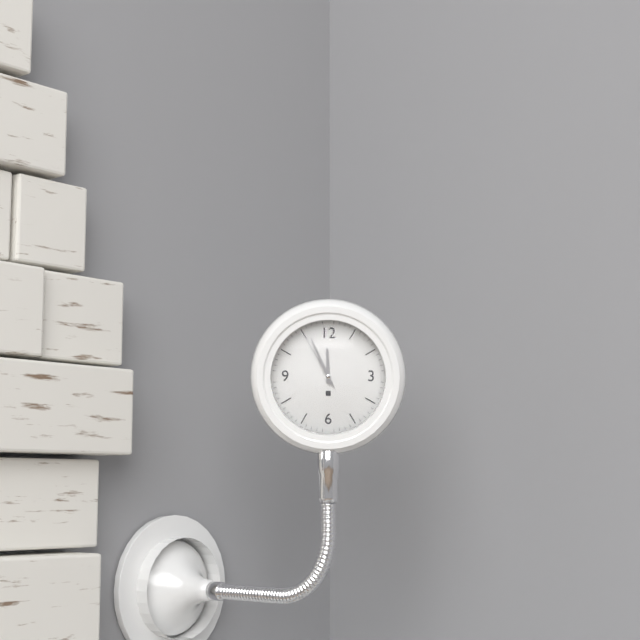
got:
11:56:55
